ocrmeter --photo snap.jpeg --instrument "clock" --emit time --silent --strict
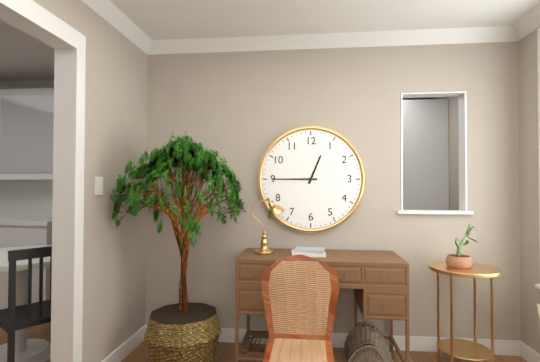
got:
12:45
